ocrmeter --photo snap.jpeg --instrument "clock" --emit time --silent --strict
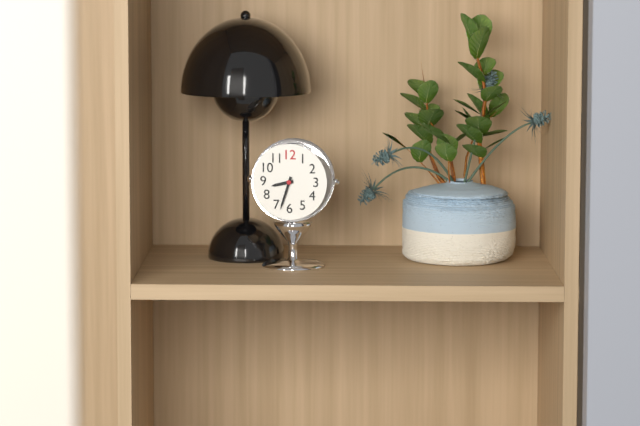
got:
8:33
